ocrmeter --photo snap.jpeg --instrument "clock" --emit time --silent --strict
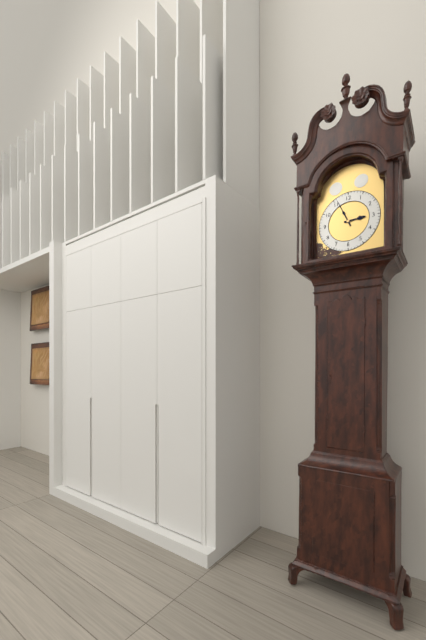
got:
2:56
